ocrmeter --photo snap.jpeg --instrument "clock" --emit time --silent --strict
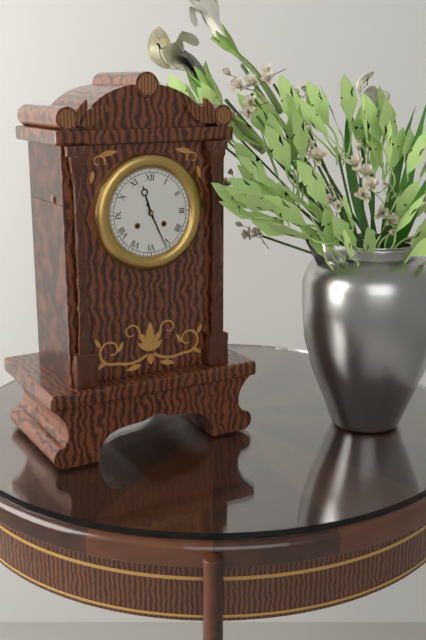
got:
11:26
